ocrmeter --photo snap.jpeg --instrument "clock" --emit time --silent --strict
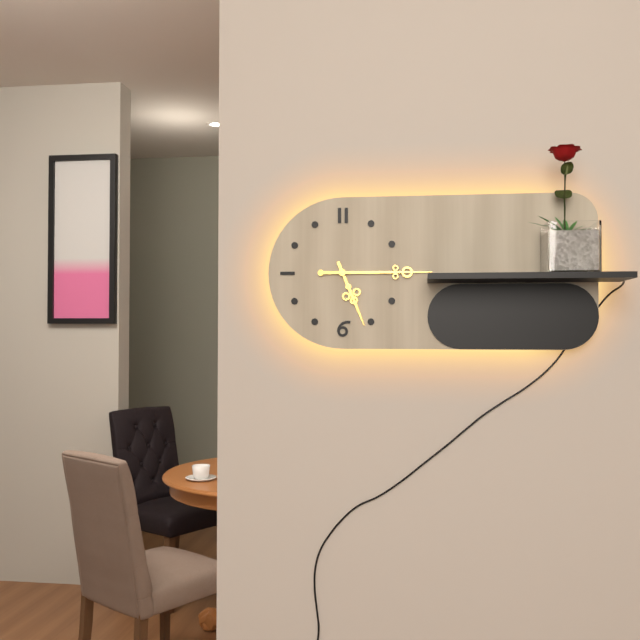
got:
5:15
